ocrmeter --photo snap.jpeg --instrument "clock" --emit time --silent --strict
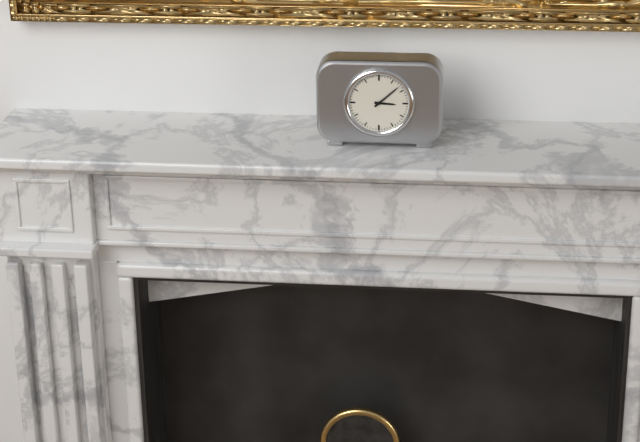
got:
3:08
